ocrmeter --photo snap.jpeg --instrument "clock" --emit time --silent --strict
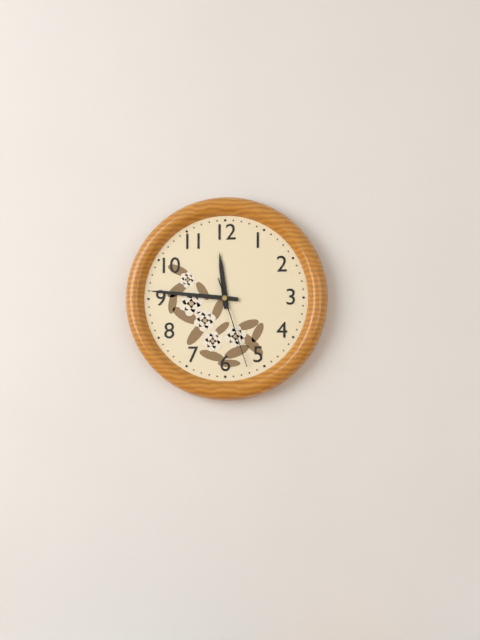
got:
11:46:27
